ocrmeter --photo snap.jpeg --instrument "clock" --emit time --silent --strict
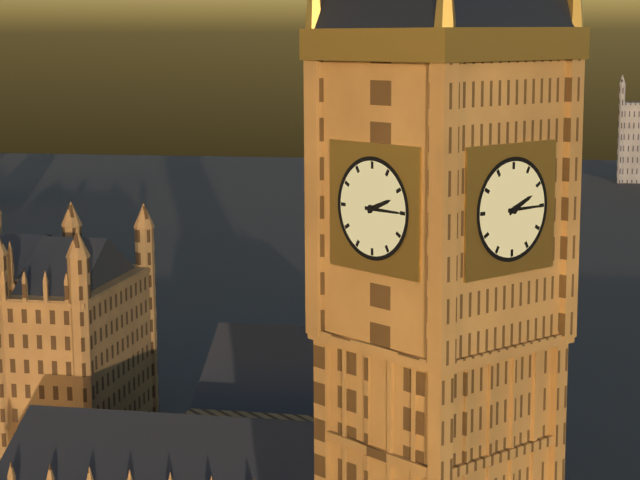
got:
2:15
